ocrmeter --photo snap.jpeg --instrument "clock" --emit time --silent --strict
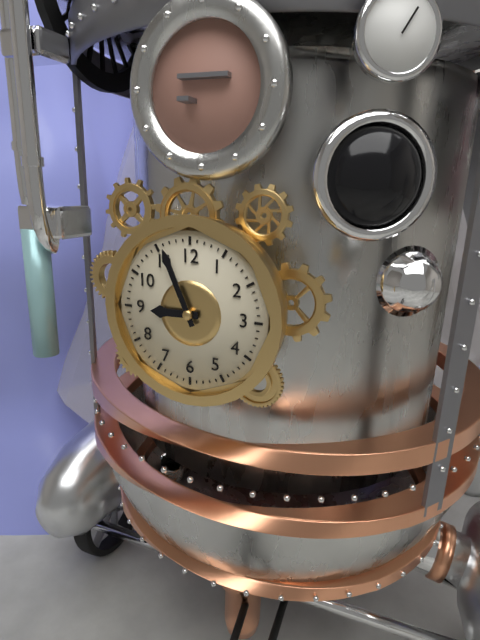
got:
8:56
